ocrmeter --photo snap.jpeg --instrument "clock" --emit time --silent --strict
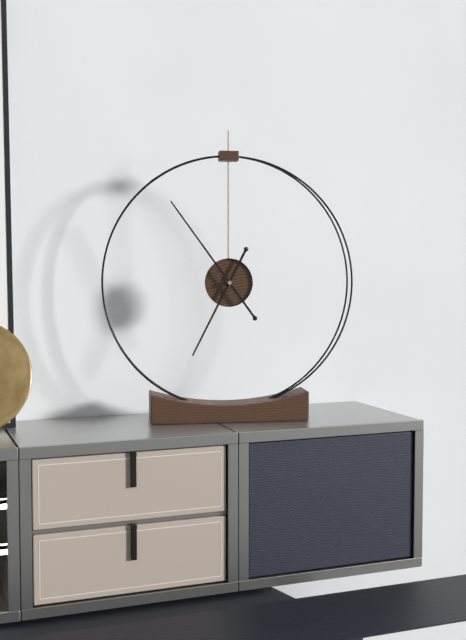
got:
6:54
